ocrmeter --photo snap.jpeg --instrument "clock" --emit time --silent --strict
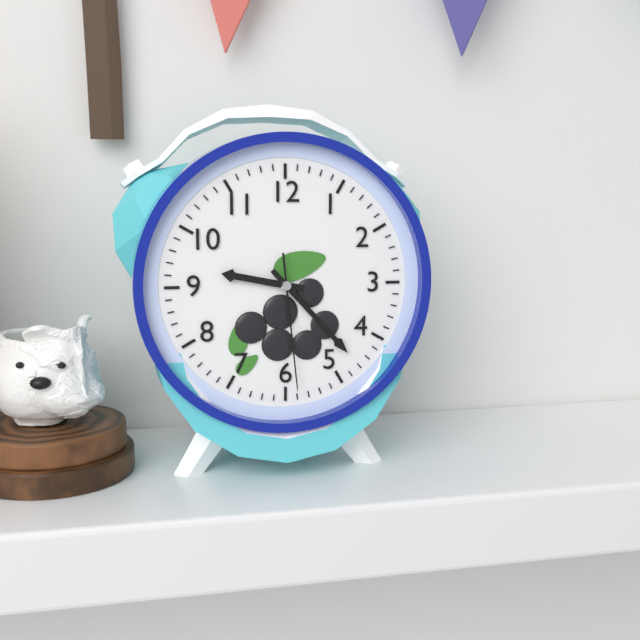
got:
9:23:29
